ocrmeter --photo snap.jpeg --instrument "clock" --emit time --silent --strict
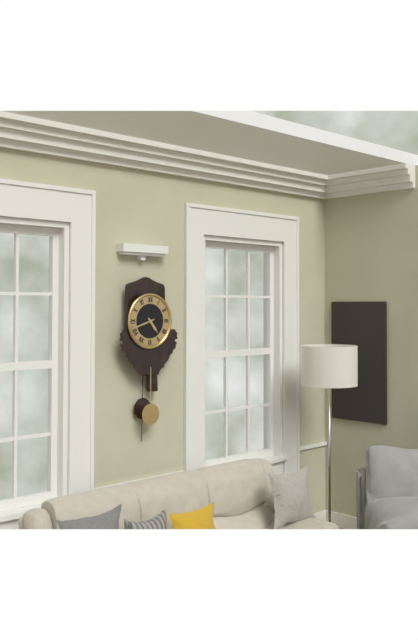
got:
4:42
